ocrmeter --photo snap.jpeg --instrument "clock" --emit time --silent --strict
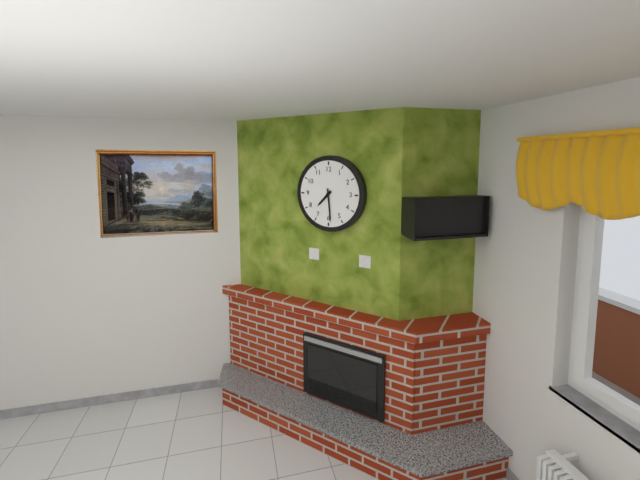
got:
7:29
